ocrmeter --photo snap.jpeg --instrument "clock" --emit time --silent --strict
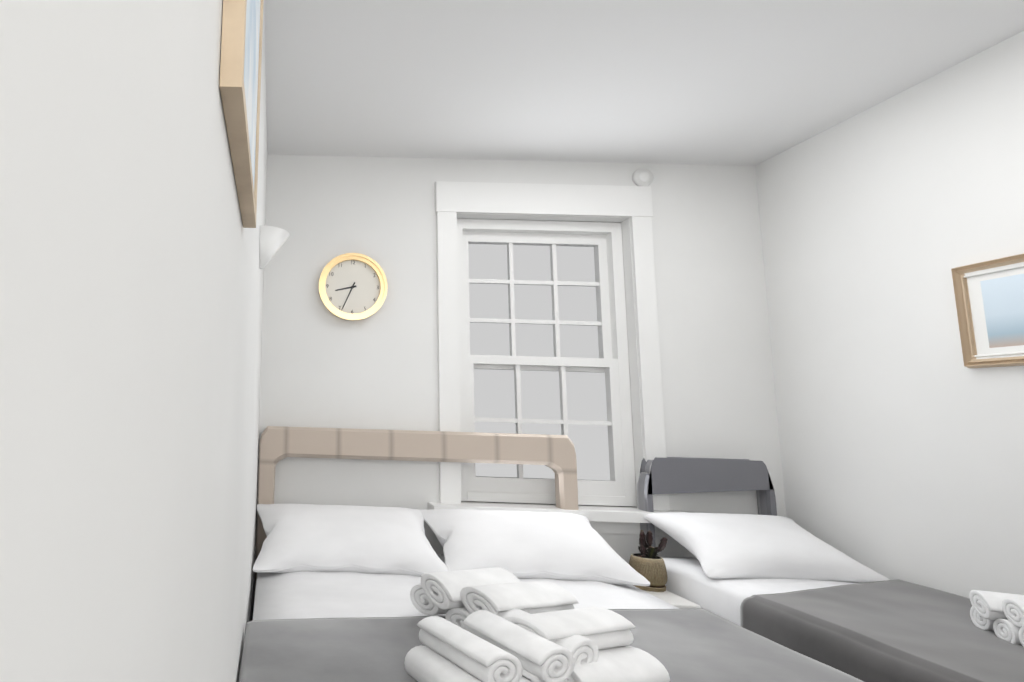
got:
8:34
